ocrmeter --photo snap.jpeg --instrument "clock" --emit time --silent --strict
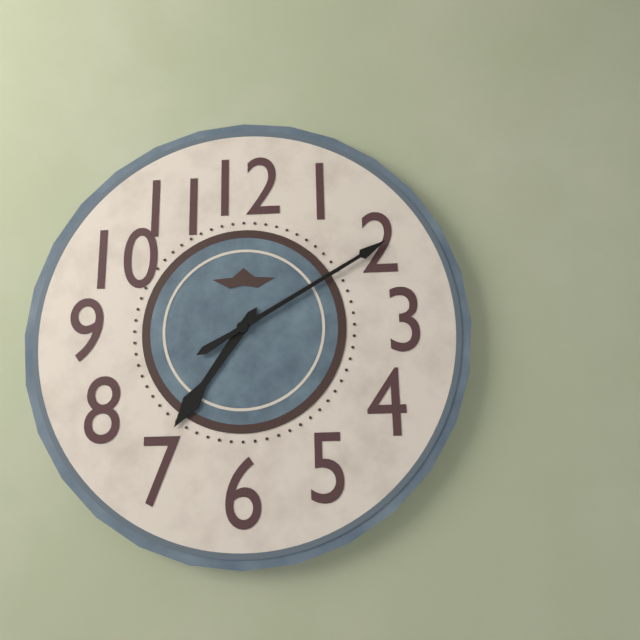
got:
7:10
